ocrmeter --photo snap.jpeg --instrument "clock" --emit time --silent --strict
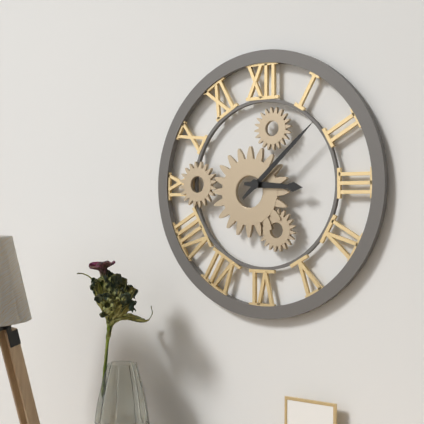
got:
3:08
